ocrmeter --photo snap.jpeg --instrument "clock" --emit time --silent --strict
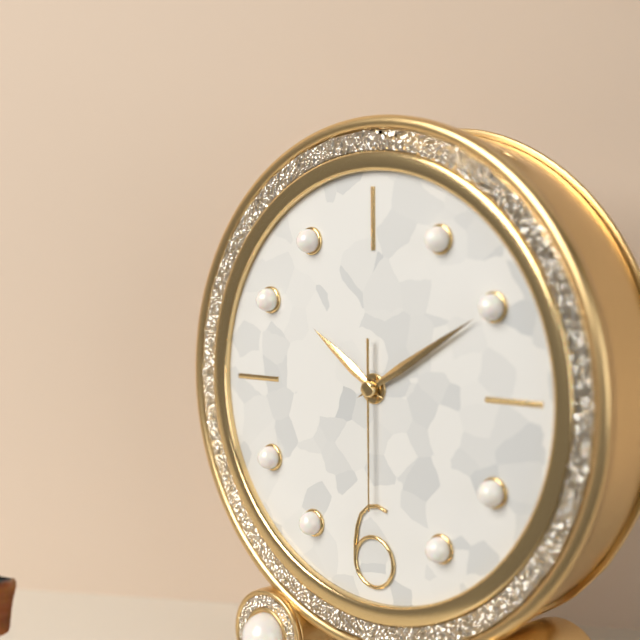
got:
10:10:30
